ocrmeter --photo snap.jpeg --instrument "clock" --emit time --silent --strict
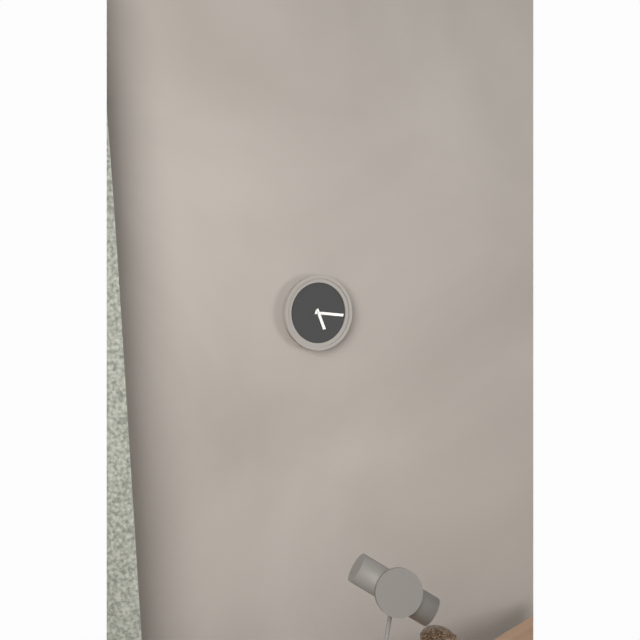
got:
5:16
